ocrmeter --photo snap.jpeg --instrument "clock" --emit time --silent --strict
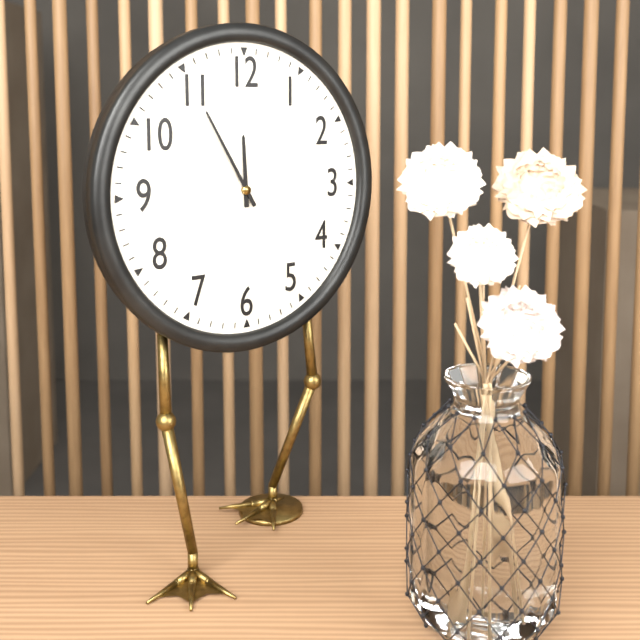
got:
11:55
